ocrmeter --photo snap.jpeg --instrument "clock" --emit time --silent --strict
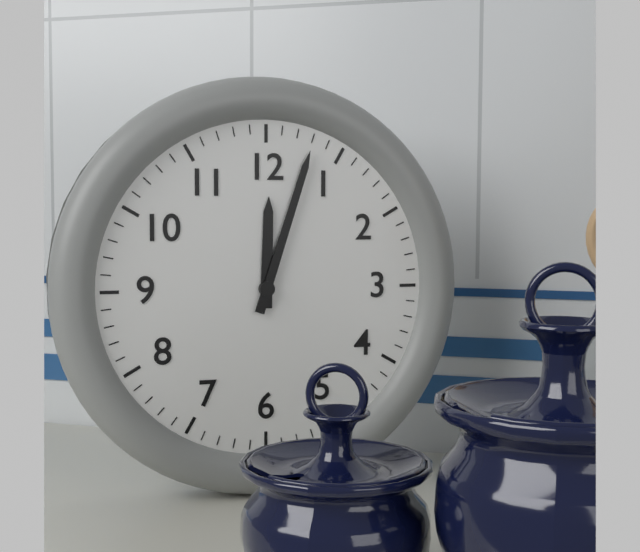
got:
12:03
